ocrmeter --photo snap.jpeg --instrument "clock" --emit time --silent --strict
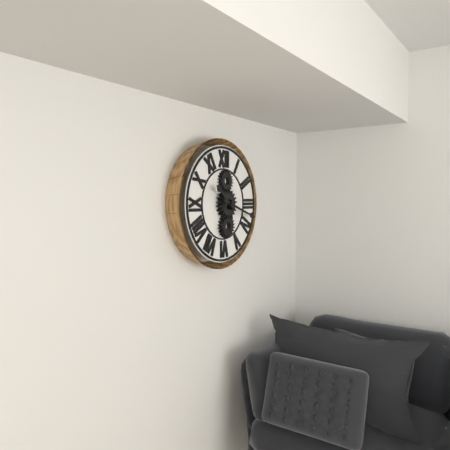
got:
10:18
